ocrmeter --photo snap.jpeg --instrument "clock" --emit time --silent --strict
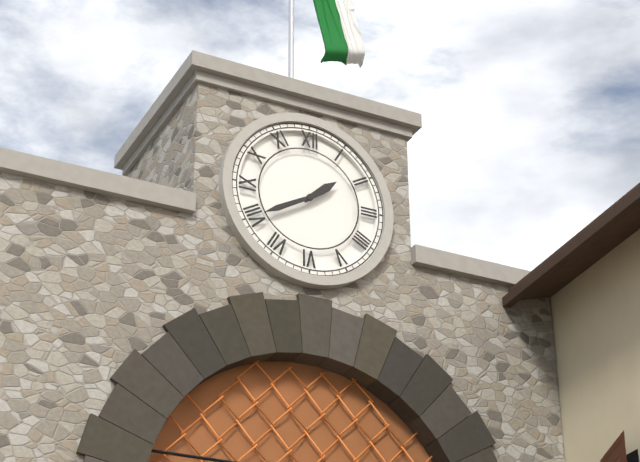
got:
1:40
